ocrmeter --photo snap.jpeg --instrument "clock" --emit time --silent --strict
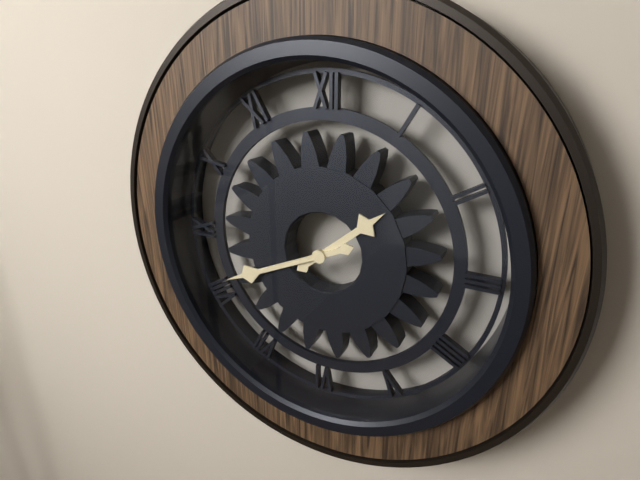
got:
1:41
